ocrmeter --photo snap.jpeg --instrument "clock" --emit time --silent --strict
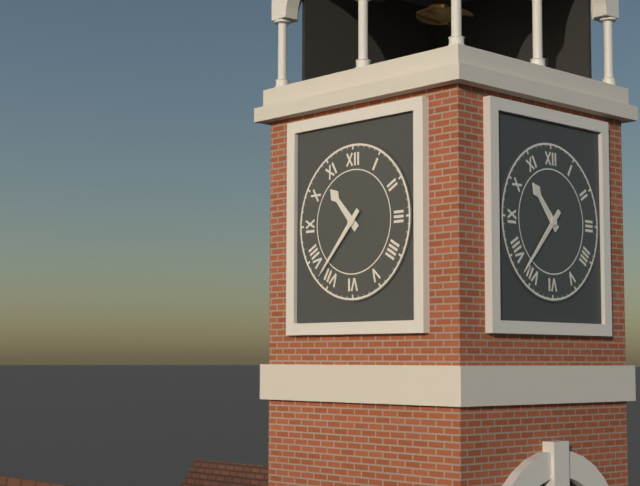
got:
10:37
